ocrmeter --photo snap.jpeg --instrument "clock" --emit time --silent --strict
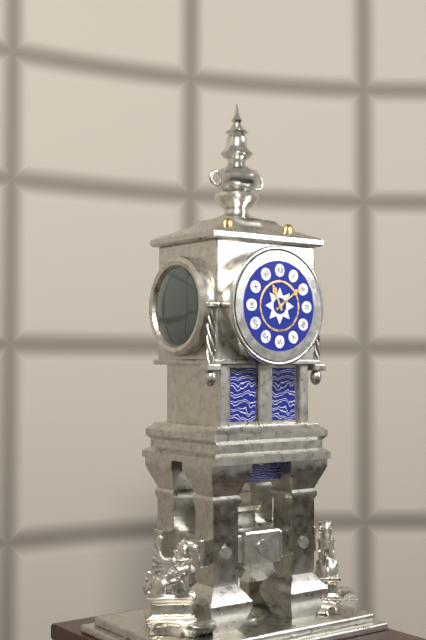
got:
11:09
